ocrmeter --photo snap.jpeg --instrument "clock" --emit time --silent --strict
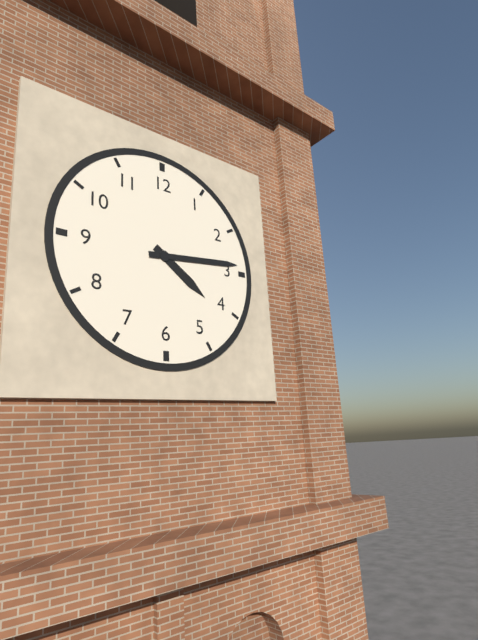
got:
4:14
